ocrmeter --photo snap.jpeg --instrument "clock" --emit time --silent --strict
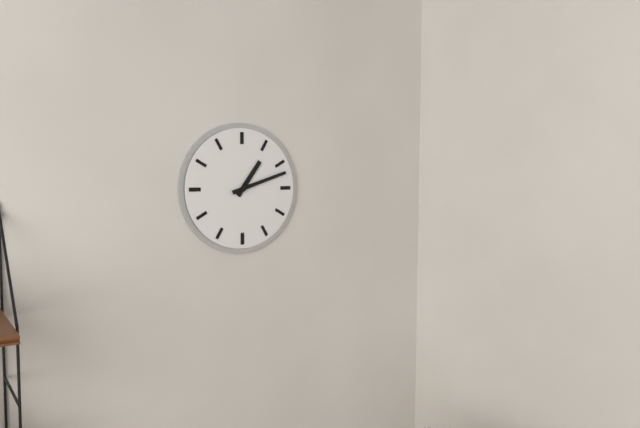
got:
1:12
